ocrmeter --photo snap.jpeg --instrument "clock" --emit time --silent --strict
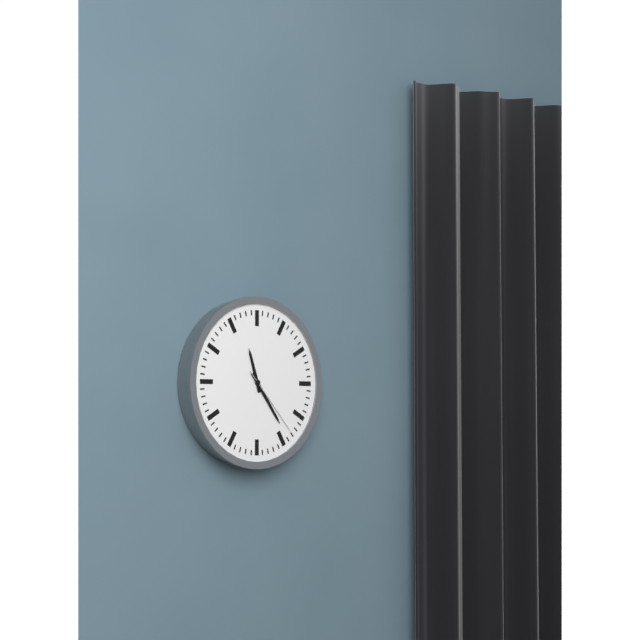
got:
11:24:23
